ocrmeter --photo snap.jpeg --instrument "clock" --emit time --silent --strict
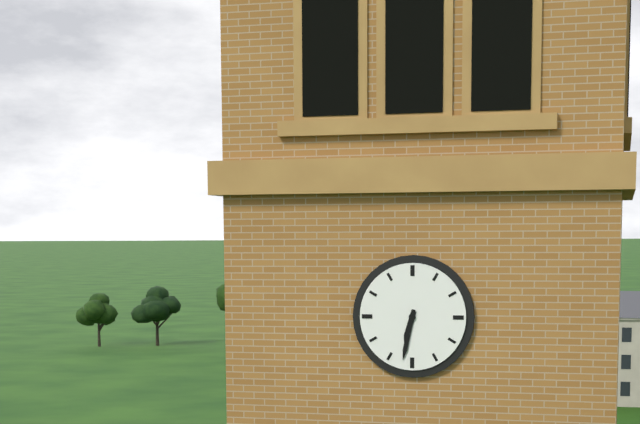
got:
6:32
